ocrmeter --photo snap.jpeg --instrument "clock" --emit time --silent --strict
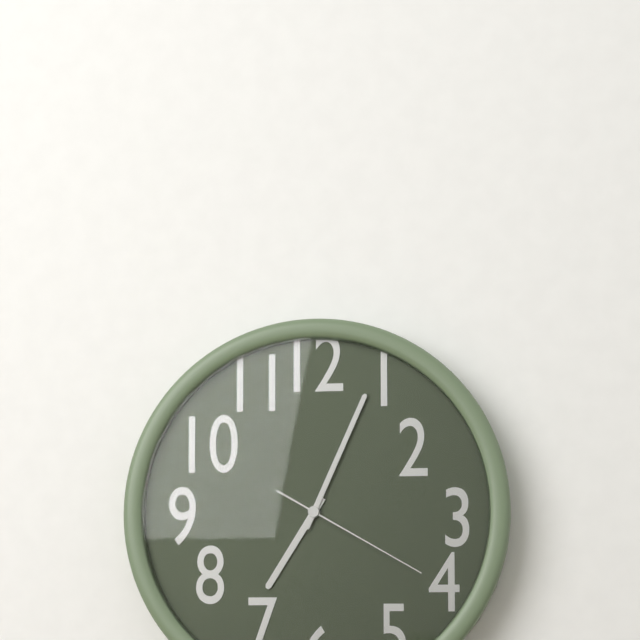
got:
7:04:20
